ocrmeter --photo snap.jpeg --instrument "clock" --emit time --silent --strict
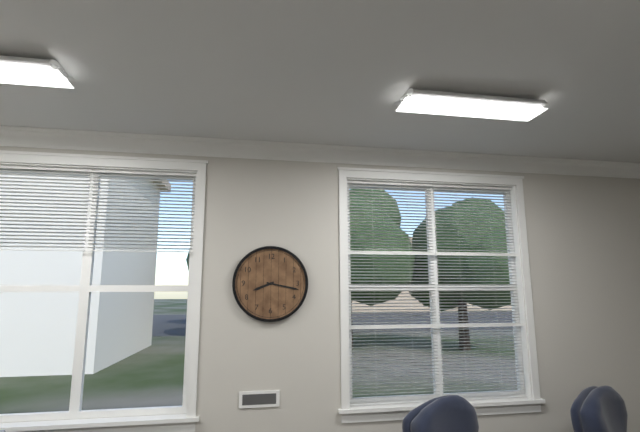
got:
8:17
